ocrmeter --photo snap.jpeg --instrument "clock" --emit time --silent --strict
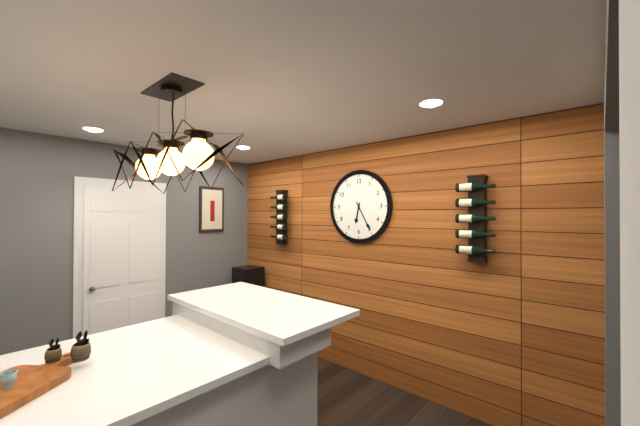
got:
6:25
